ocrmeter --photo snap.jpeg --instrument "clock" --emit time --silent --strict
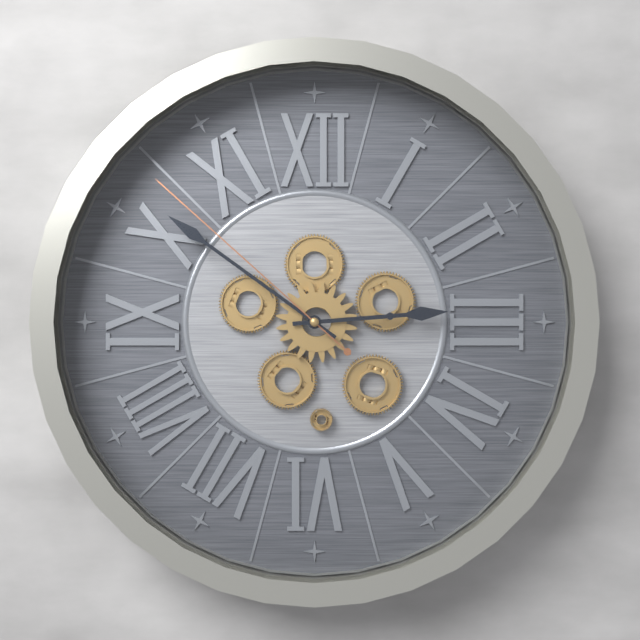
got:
2:51:52
